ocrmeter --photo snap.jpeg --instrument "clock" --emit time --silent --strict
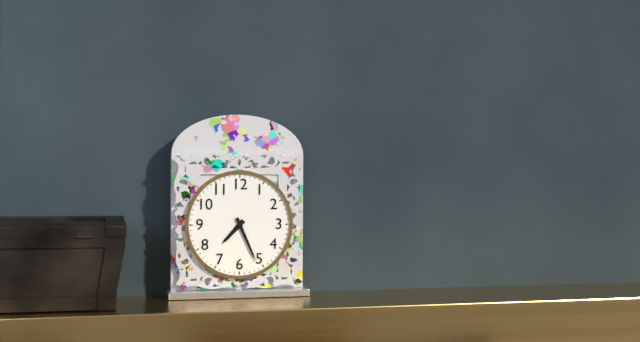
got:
7:26
